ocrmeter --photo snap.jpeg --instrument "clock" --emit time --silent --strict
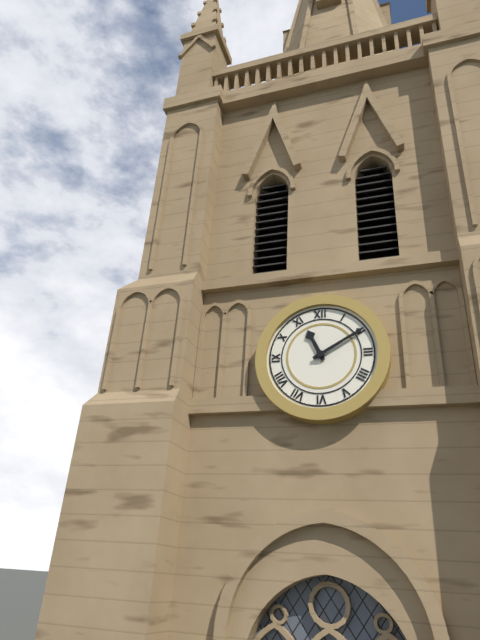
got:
11:10
